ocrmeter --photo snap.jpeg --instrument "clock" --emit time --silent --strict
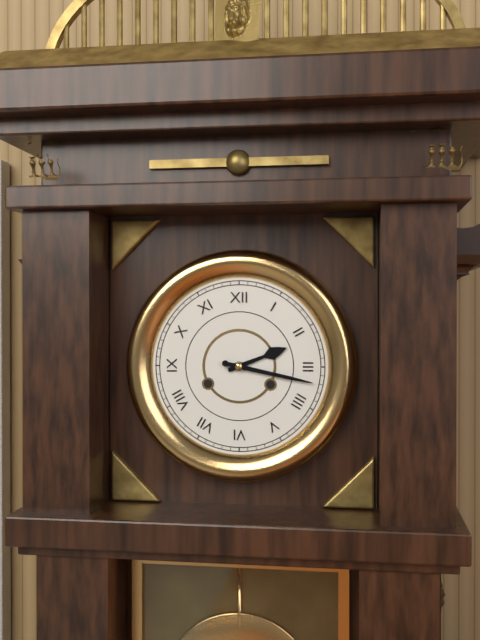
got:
2:17
